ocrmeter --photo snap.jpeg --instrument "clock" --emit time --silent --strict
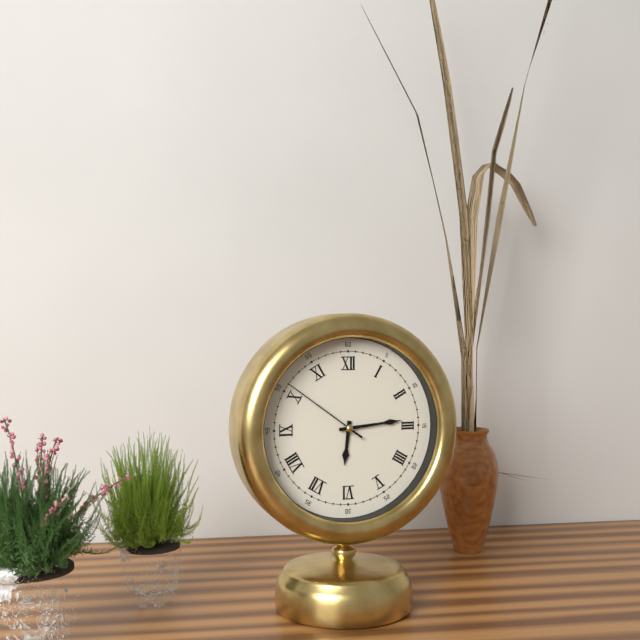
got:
6:14:51
